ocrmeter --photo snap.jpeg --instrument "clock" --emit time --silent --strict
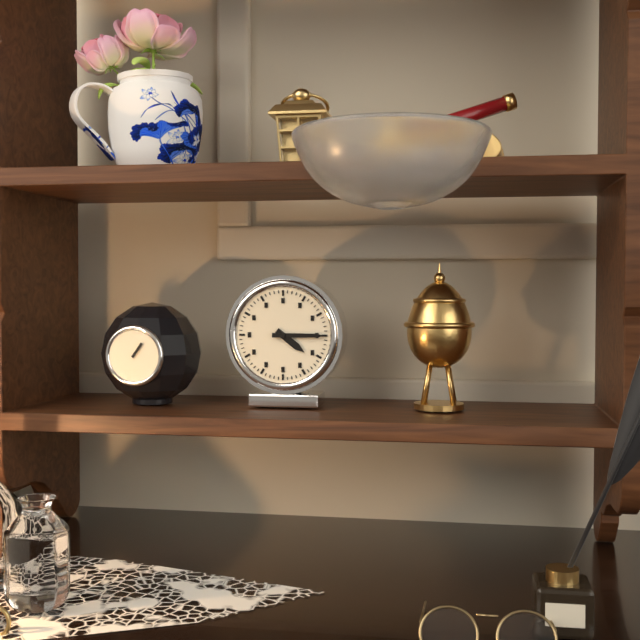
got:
4:15
